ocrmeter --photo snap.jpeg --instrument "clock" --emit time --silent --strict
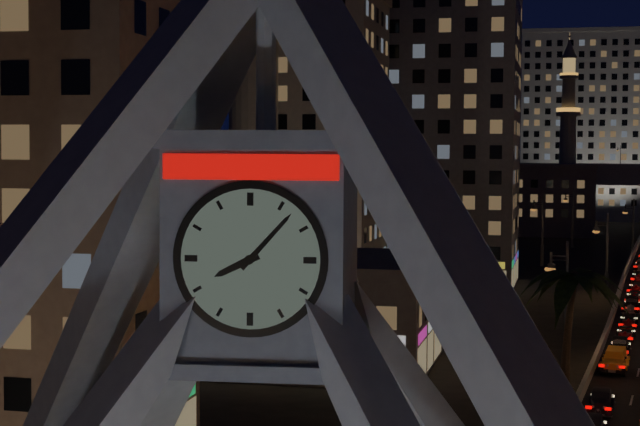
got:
8:07
